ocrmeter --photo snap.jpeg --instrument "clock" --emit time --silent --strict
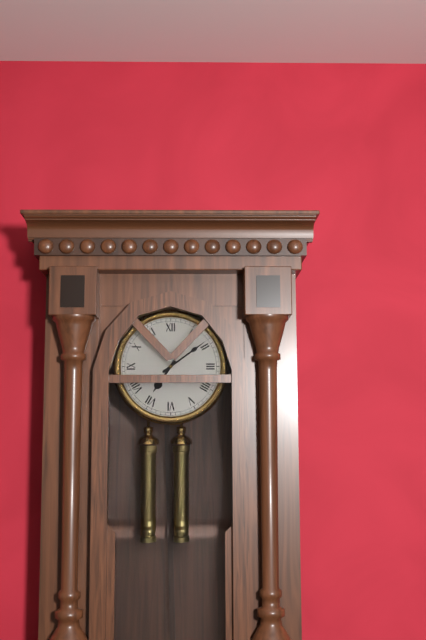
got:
7:09
